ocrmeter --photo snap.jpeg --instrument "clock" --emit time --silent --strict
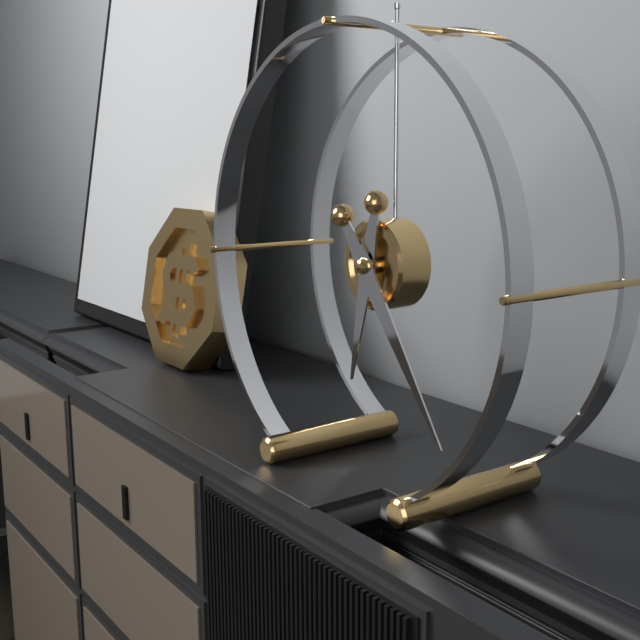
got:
6:24
